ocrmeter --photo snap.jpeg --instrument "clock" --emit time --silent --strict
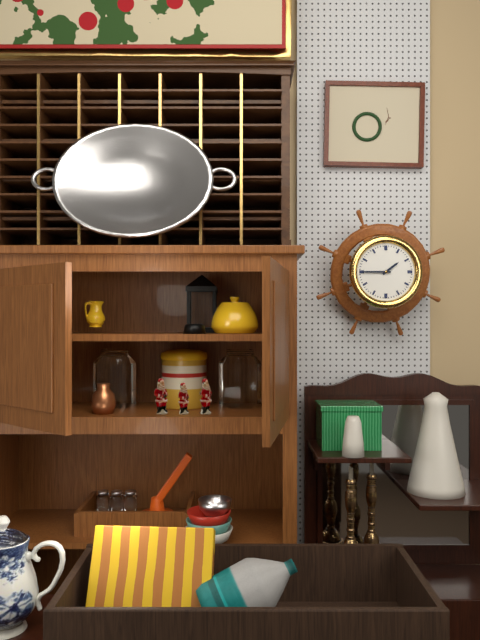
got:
1:45
